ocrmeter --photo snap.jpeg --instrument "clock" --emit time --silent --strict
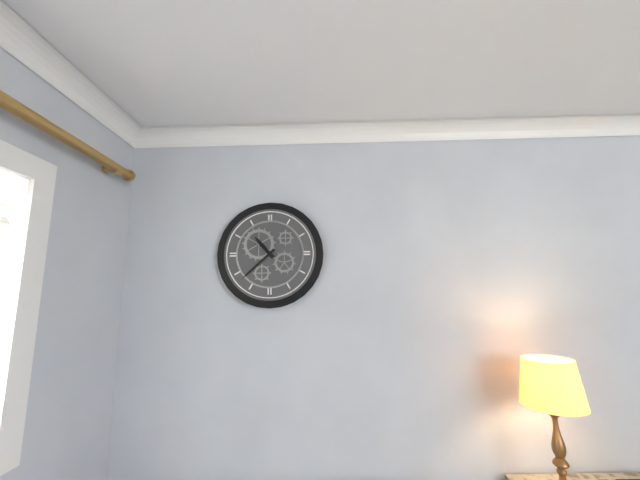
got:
10:38
